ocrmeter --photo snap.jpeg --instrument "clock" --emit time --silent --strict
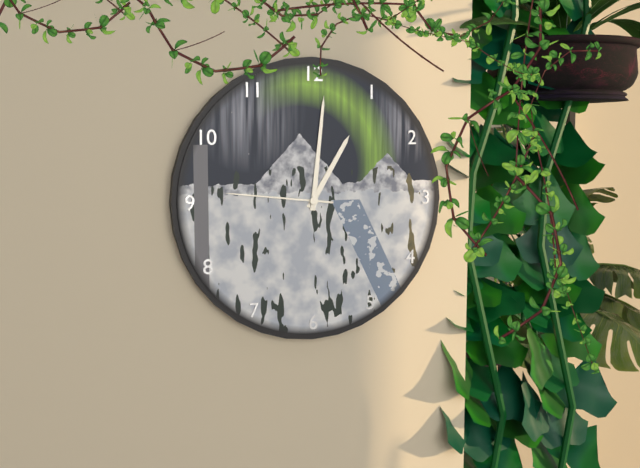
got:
1:01:46
